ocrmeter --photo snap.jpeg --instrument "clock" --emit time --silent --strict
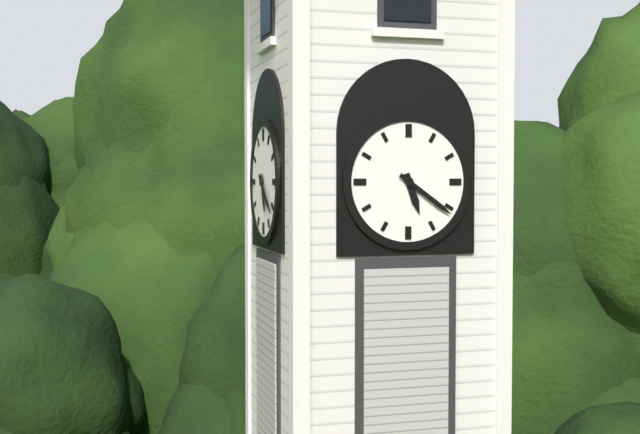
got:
5:21
